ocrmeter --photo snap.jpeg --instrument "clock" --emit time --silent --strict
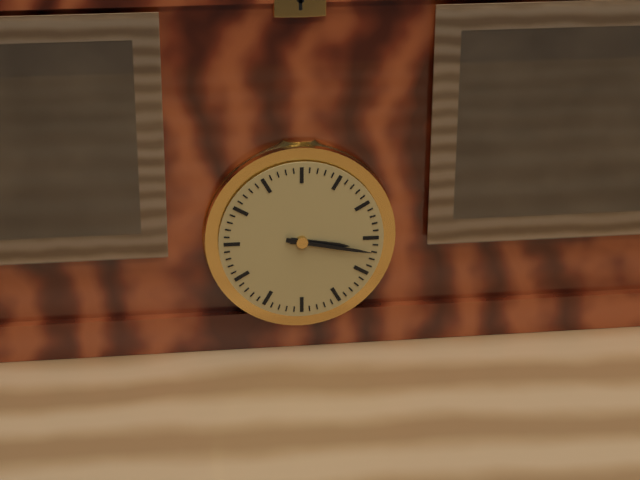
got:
3:17
